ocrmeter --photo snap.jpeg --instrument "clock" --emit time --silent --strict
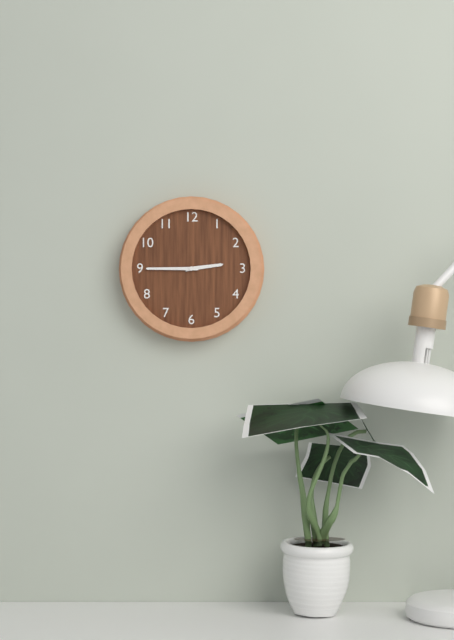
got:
2:45
